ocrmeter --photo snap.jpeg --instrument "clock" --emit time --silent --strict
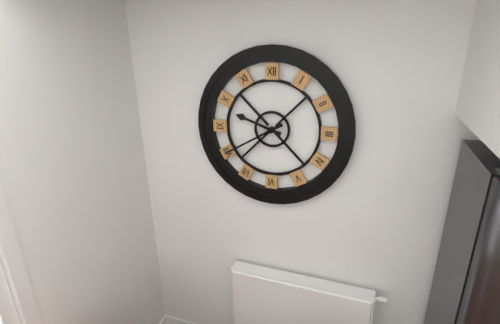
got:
9:40
